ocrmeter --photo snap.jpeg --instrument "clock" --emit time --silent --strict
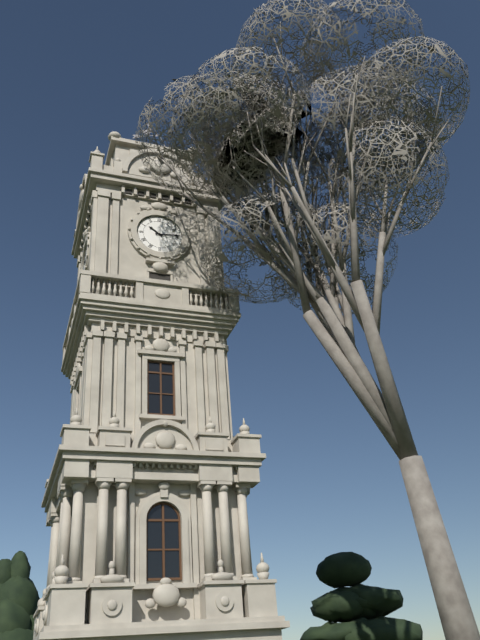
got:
10:14
